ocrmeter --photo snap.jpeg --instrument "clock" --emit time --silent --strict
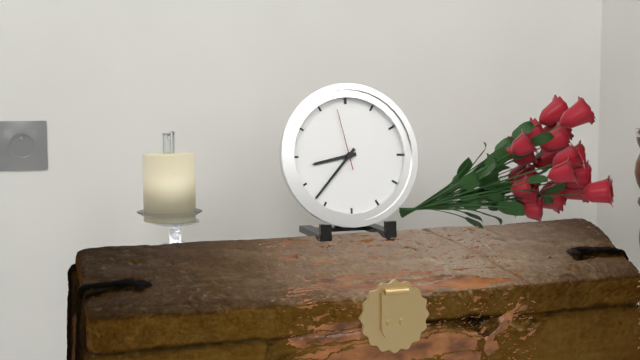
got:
8:37:58
